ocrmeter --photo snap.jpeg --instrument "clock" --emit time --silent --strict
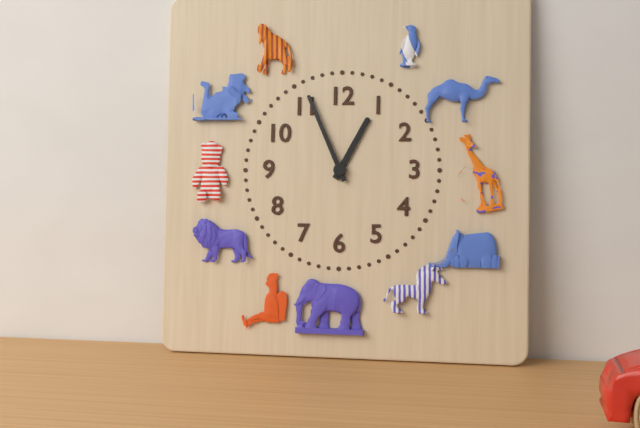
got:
12:56
